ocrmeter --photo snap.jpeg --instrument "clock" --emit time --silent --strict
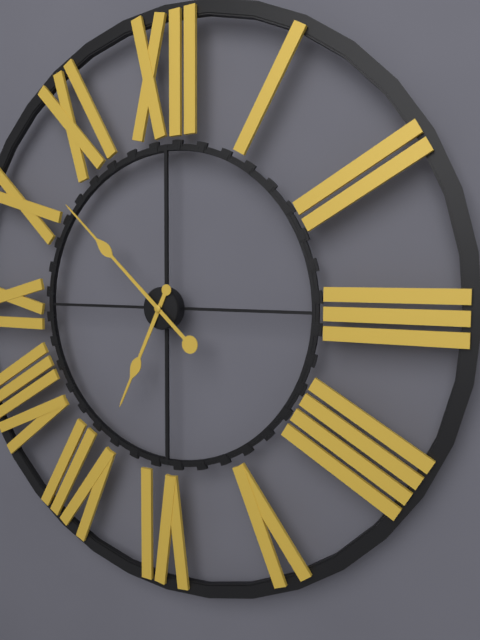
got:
6:52
